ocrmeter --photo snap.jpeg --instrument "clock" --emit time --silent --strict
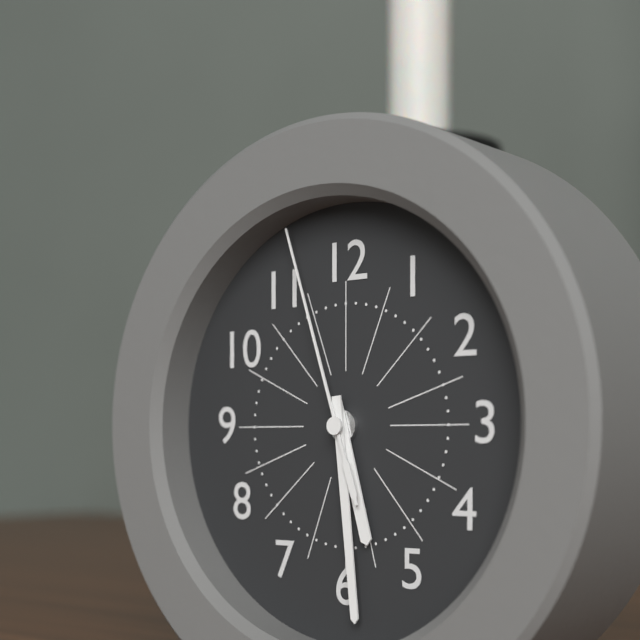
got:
5:29:57
